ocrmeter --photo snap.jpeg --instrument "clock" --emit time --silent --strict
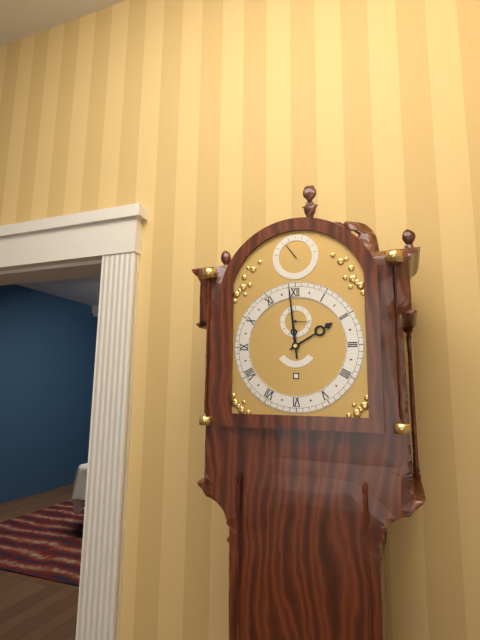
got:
1:59
